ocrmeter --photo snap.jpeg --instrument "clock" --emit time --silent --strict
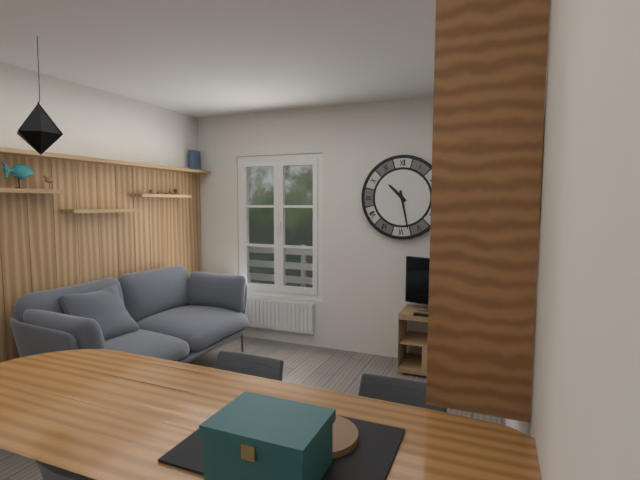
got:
10:28
